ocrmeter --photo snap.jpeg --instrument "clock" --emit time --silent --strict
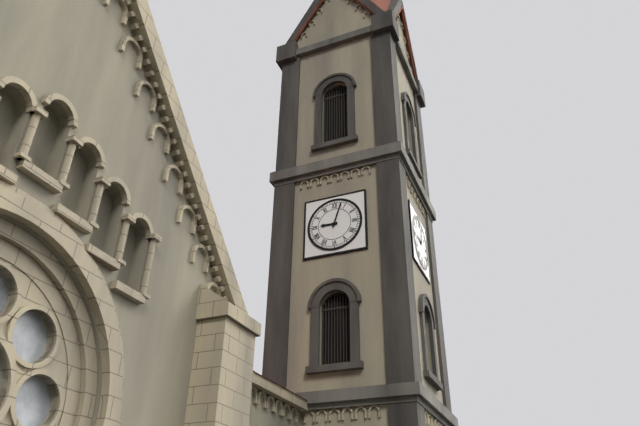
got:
9:03
